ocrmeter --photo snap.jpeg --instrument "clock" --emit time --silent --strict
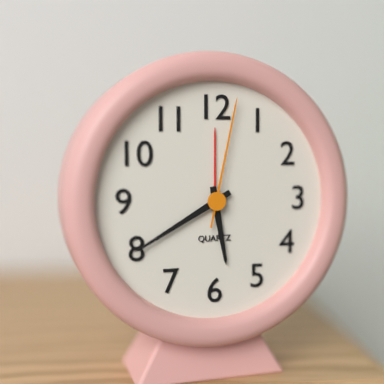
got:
5:40:02
